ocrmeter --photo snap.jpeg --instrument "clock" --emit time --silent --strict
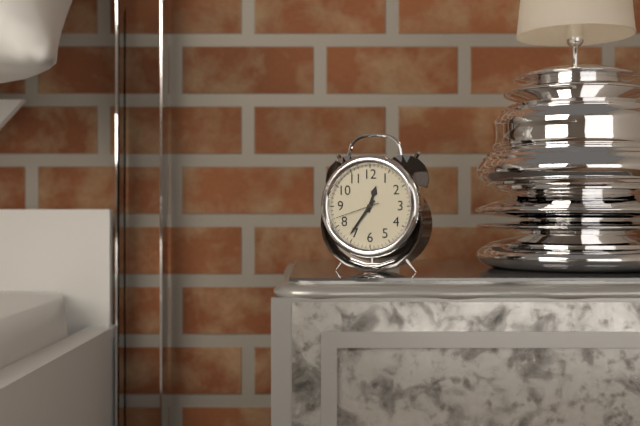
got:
12:36
